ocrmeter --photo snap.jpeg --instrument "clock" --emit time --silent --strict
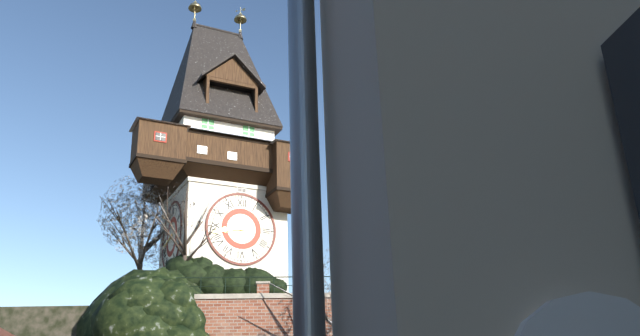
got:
8:43
